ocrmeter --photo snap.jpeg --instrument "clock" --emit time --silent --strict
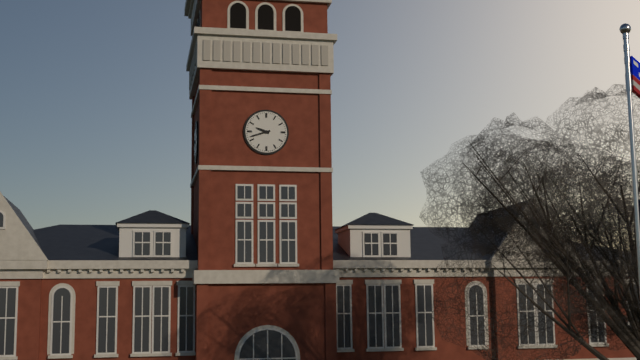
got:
9:42
